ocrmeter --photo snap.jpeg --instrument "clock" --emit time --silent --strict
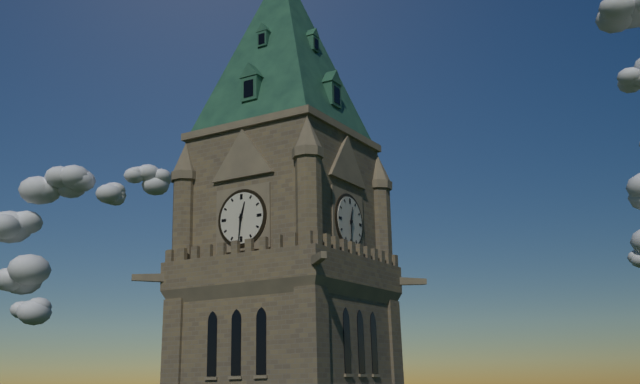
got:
12:31
